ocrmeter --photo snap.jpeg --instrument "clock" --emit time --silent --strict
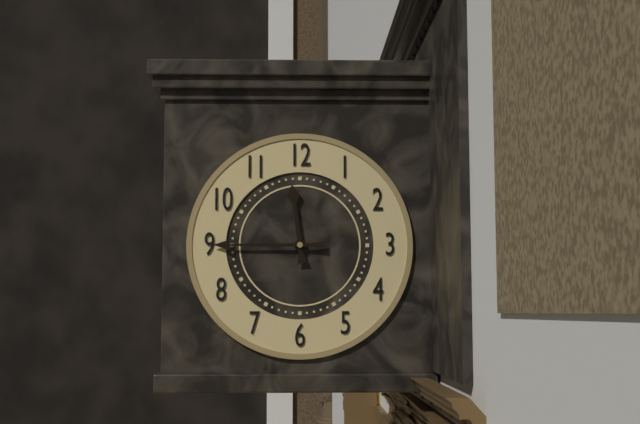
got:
11:45
